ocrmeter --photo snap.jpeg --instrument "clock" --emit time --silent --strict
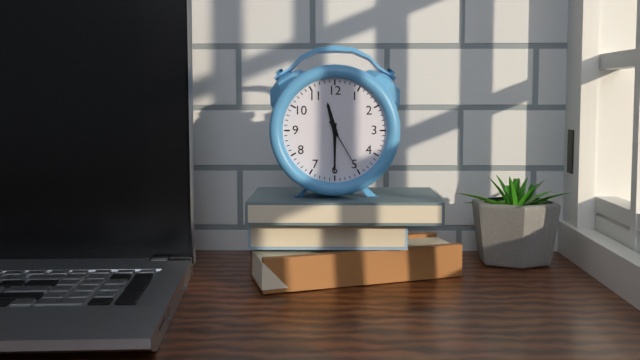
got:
11:30:25
